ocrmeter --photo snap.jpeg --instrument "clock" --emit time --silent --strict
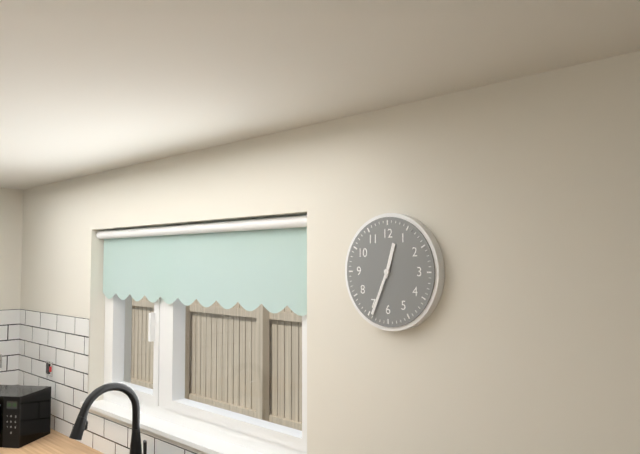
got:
12:34
